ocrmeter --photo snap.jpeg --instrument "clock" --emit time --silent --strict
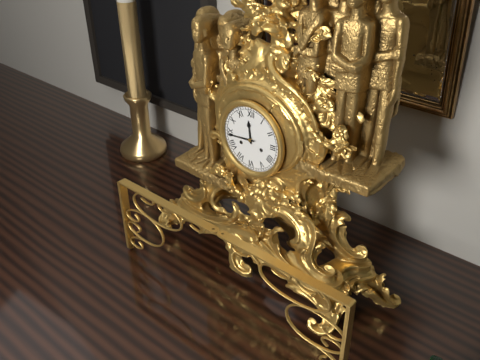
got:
11:44
